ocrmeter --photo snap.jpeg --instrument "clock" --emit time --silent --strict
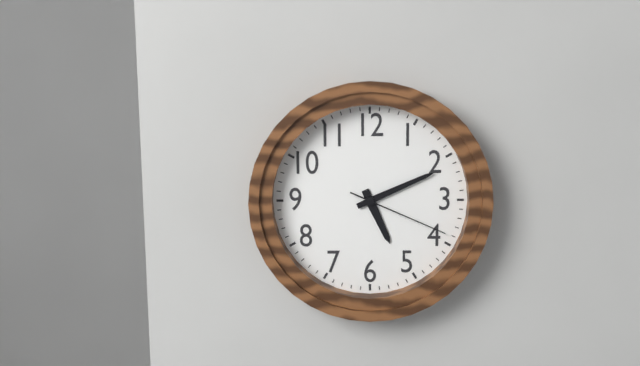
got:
5:11:19
